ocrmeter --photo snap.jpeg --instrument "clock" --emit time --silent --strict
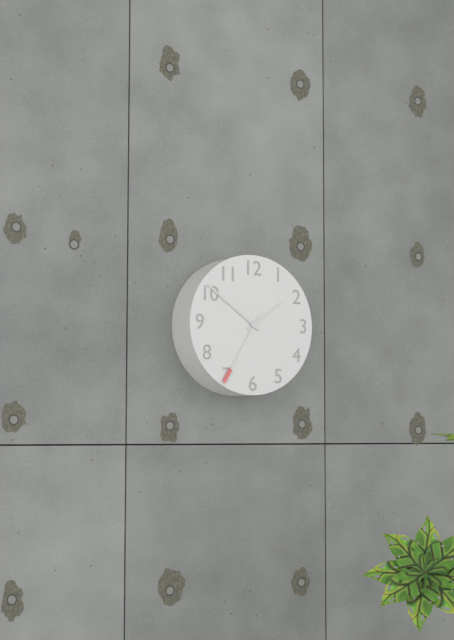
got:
1:51:35
